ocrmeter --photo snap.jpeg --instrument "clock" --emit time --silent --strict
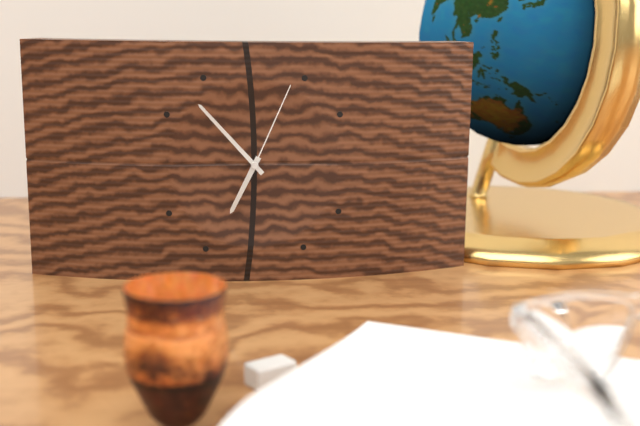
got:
6:53:04
